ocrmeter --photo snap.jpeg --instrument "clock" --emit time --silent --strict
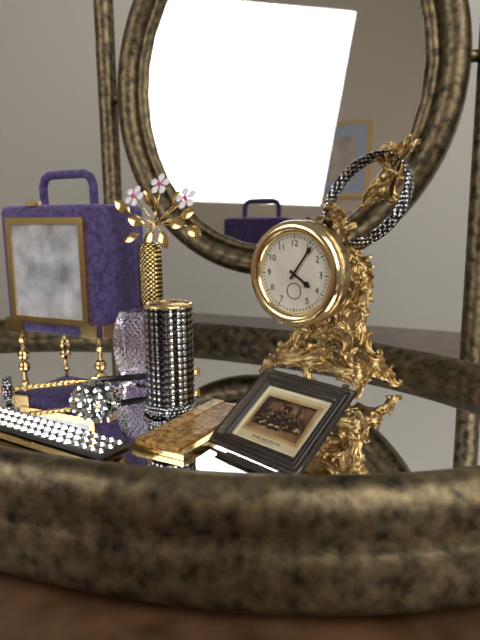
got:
4:06
